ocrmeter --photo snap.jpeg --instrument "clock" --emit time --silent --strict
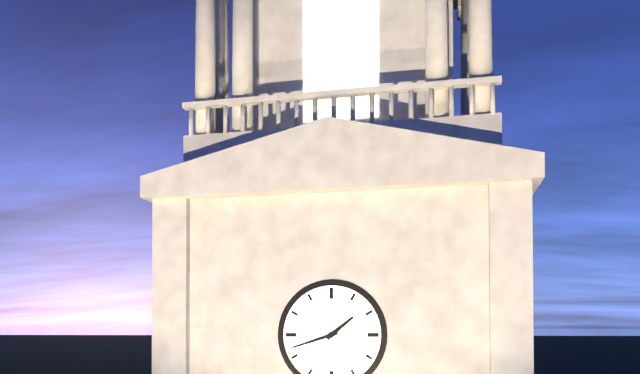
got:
1:42
